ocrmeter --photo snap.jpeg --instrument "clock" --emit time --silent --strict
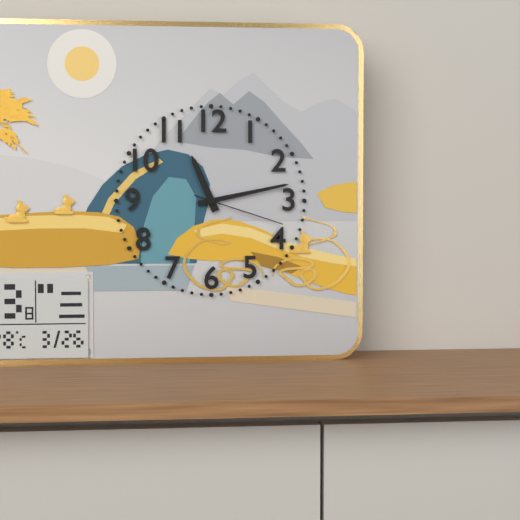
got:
11:13:18
